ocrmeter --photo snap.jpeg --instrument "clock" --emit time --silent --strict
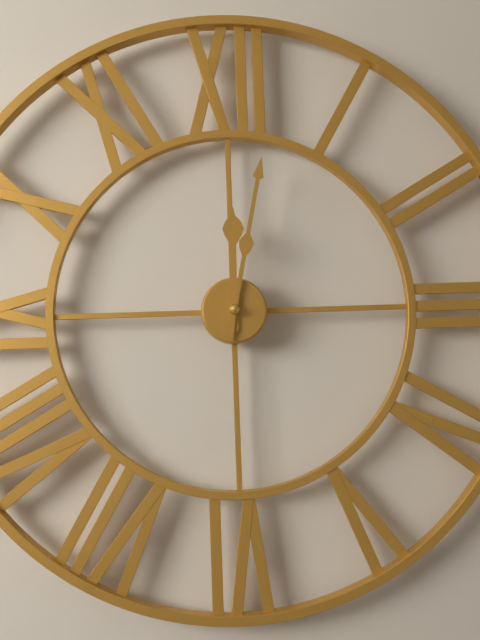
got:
12:02
